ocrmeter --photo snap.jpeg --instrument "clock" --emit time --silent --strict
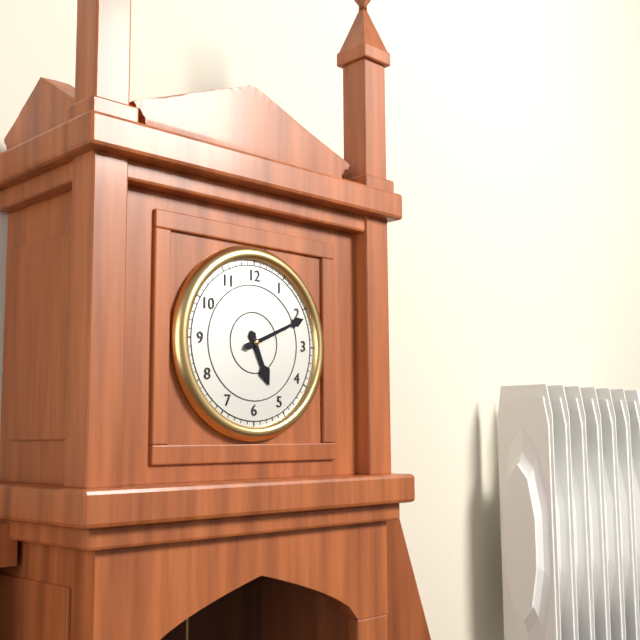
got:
5:11
